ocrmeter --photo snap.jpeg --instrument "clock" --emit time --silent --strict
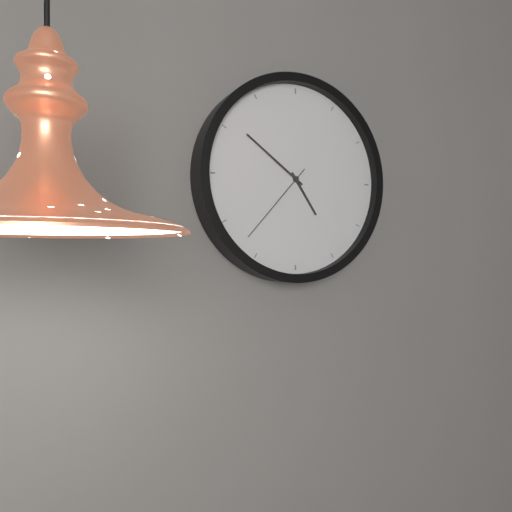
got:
4:51:37
